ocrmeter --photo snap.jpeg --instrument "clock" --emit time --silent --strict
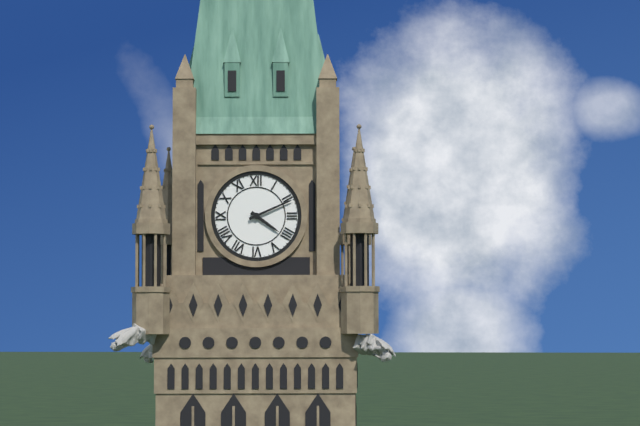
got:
4:11
